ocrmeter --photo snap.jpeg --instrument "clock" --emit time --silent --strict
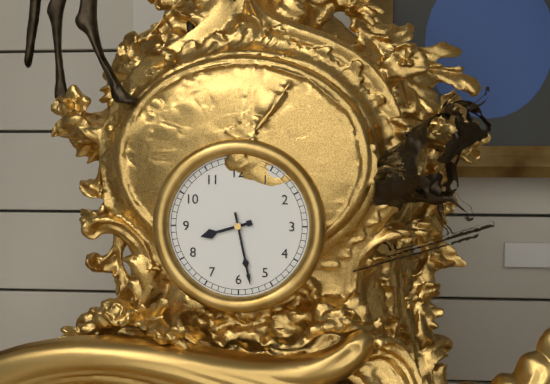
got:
8:28
